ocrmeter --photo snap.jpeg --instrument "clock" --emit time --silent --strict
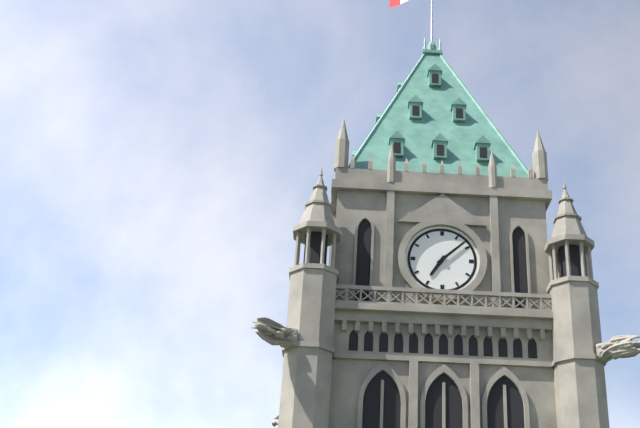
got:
7:08
